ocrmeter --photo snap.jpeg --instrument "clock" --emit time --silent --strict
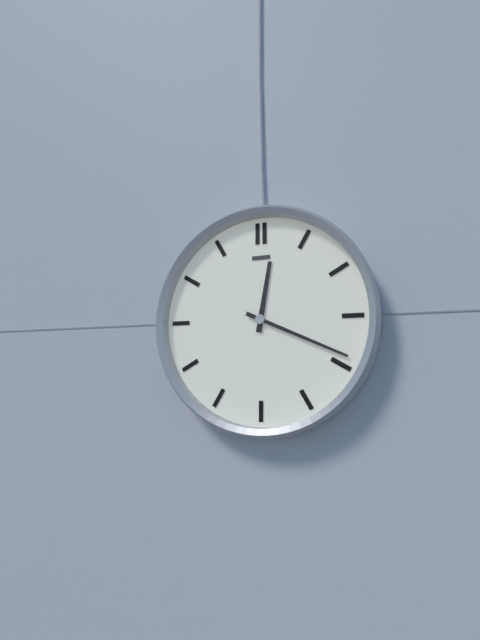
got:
12:19
